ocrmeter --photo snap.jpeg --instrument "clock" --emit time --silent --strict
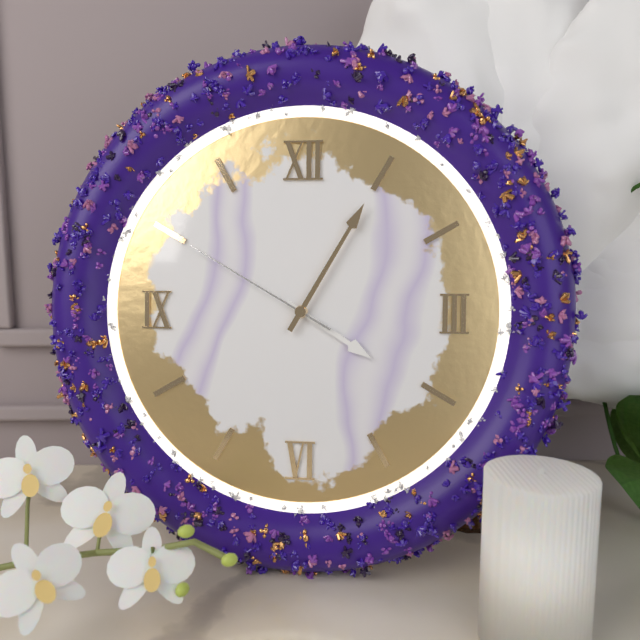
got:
4:05:50
